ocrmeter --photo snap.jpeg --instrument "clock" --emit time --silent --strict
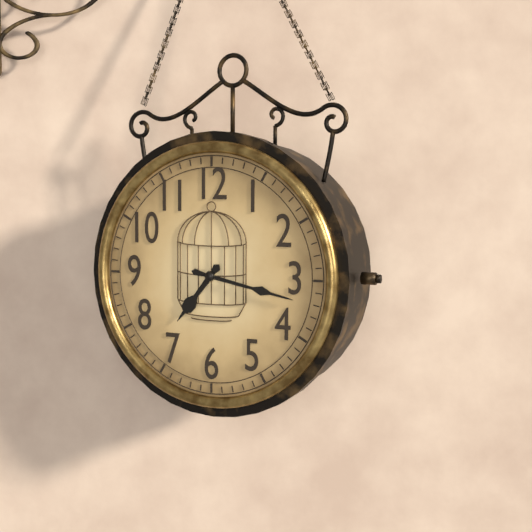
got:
7:17
